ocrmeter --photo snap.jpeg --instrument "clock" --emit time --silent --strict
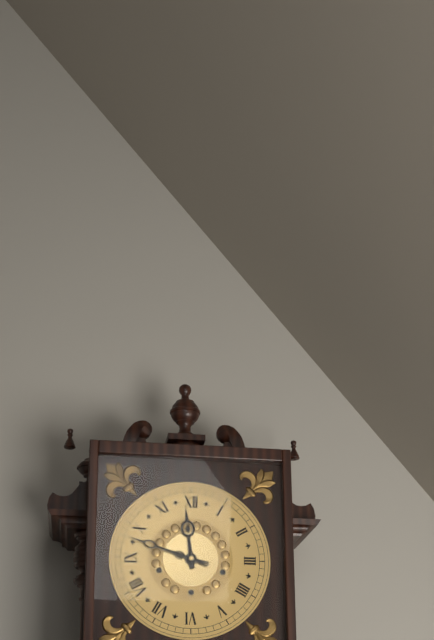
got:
11:48
